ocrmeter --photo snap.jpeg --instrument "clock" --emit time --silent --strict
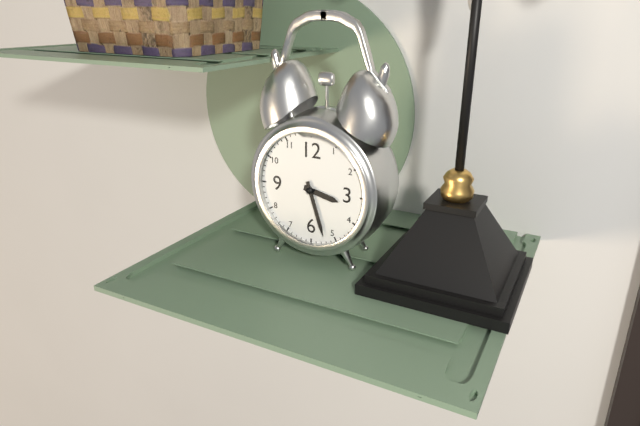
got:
3:27
